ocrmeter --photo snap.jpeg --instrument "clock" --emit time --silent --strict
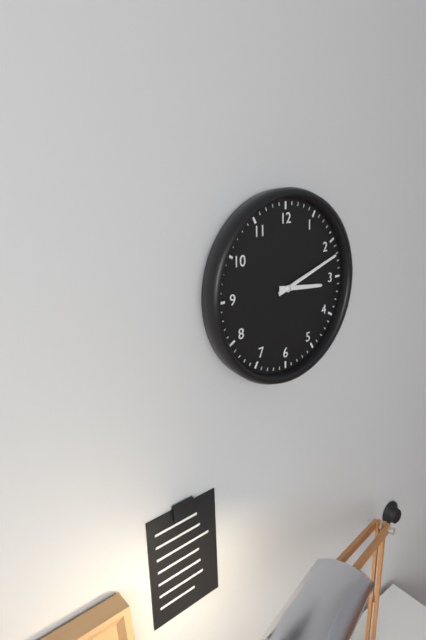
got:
3:12
